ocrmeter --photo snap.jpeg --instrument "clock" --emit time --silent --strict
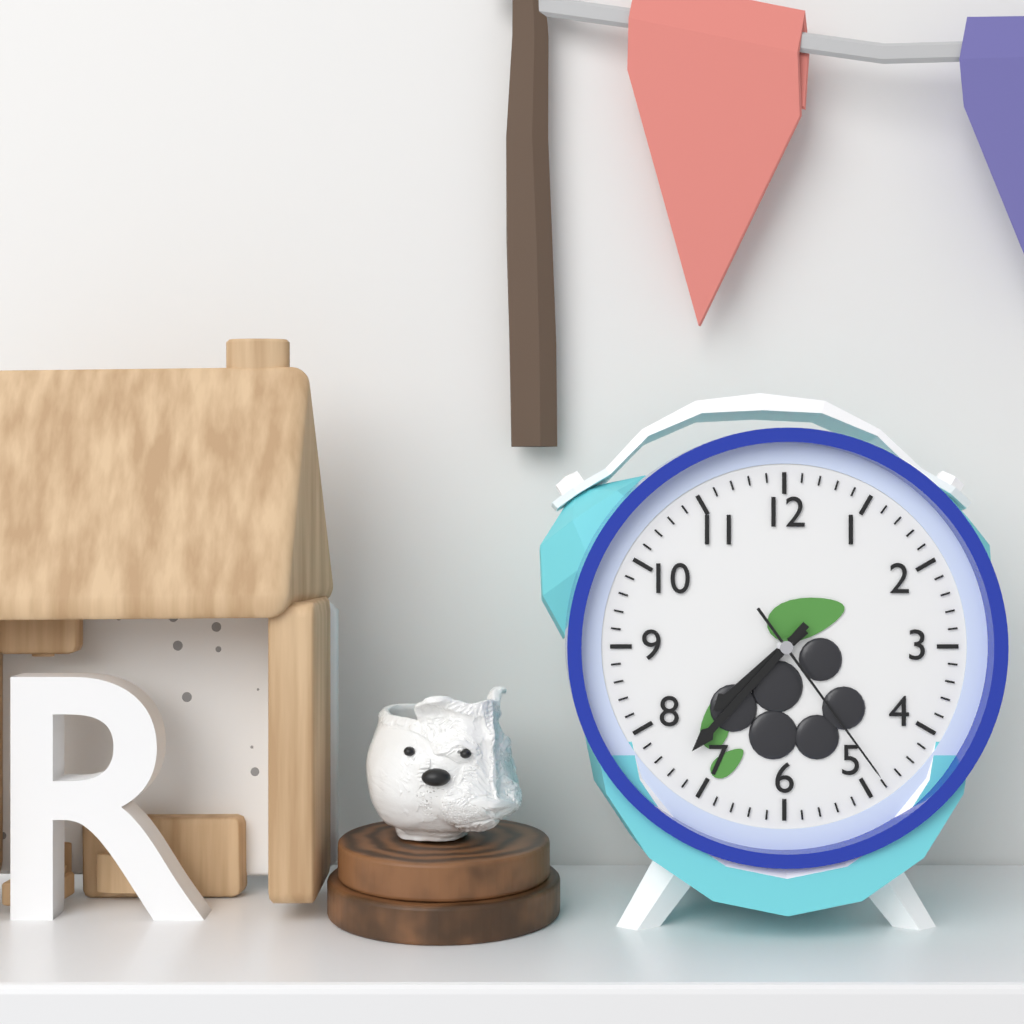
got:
7:37:24
